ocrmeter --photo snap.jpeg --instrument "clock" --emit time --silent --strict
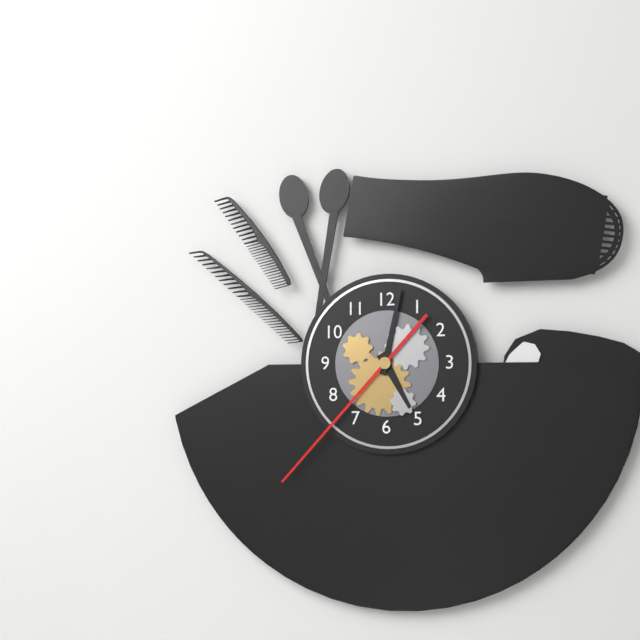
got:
5:02:37
